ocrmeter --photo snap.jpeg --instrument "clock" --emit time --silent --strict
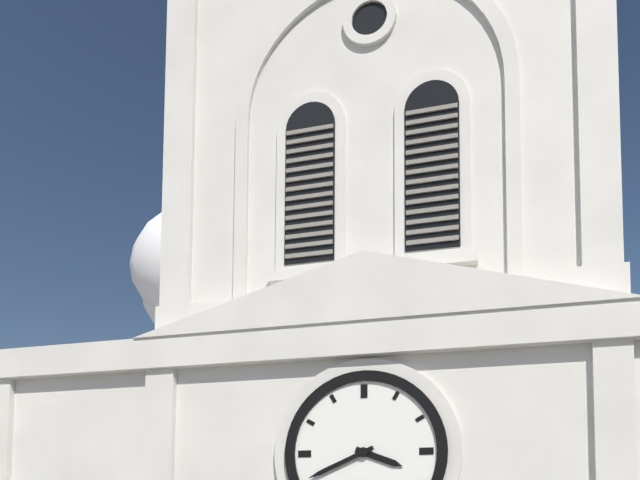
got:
3:41
